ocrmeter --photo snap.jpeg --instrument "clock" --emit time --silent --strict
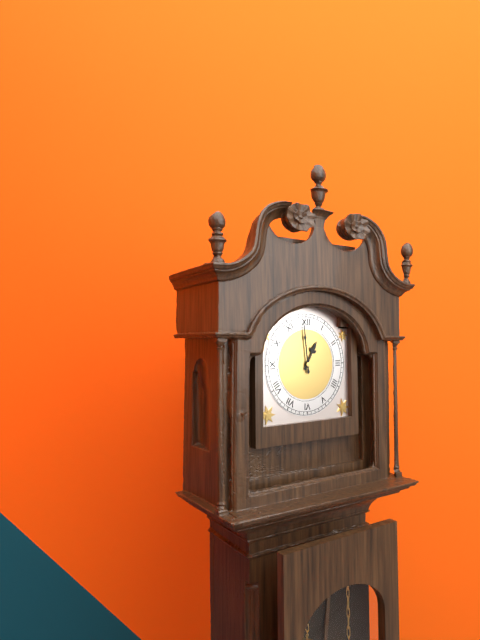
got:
12:59
